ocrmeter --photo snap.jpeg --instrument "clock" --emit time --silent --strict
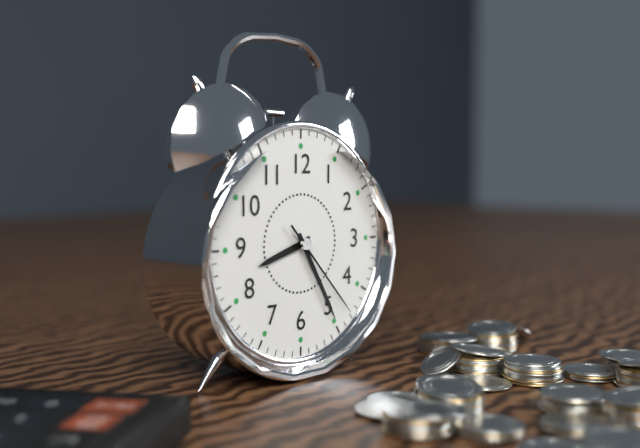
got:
8:25:23
